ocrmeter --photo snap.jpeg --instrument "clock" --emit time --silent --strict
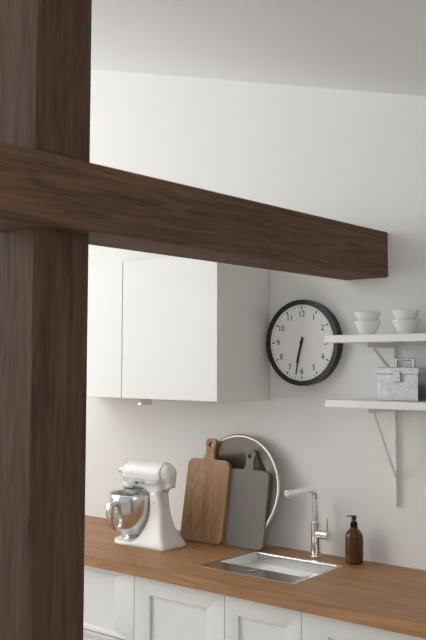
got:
6:32
